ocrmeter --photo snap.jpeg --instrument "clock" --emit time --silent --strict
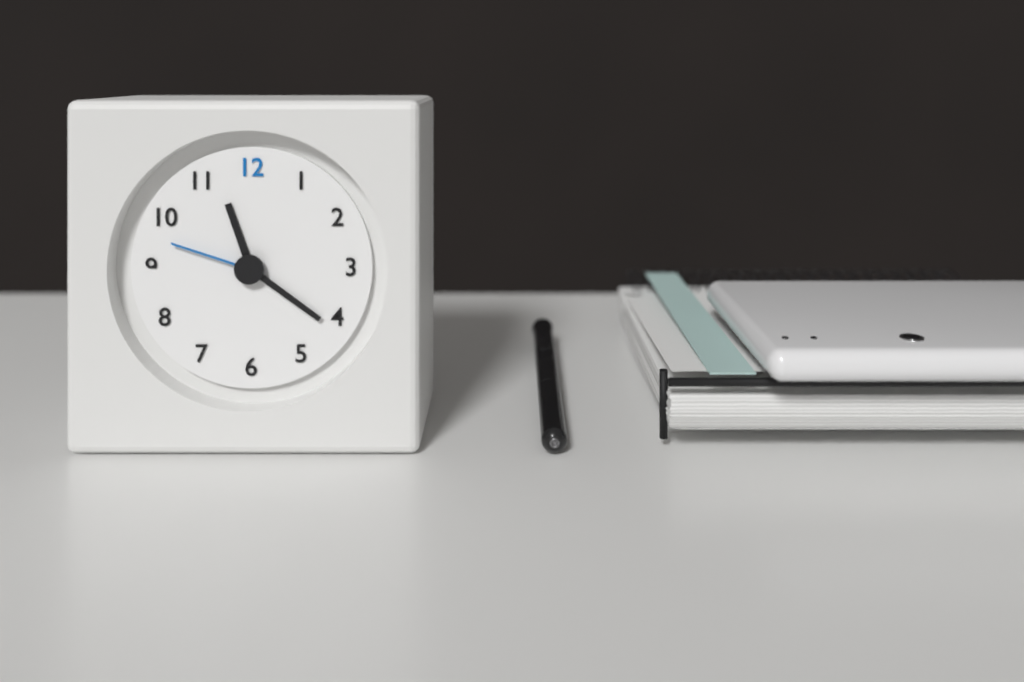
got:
11:21:48
